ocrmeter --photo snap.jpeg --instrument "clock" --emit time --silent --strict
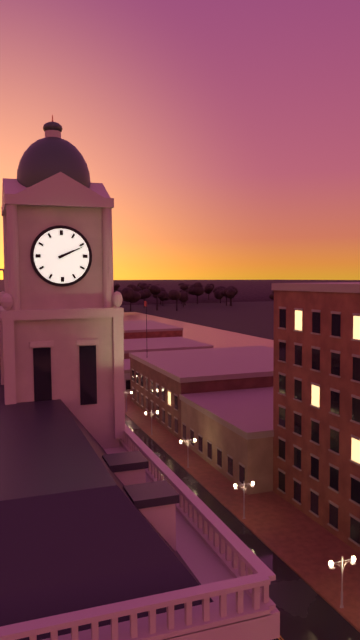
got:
2:11
